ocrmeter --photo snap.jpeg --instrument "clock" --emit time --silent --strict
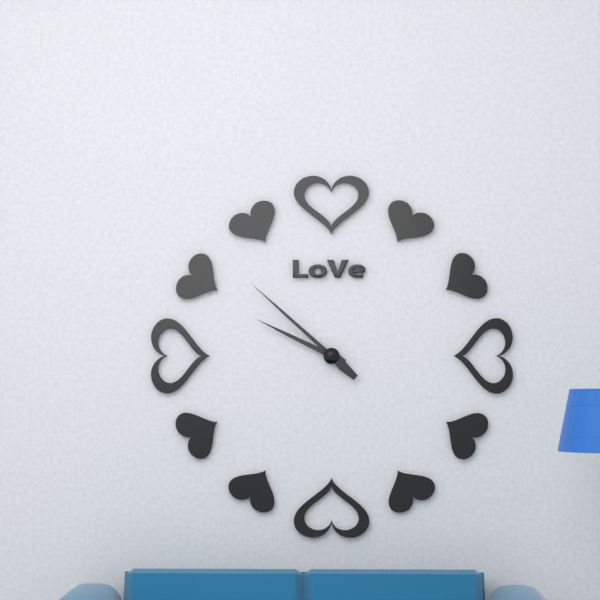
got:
9:52
